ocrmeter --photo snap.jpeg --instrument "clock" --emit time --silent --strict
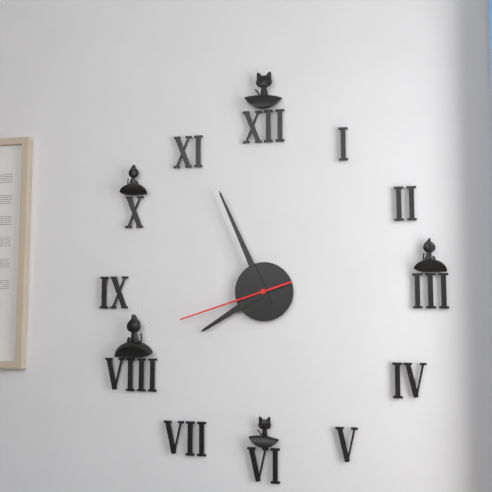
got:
7:56:42
